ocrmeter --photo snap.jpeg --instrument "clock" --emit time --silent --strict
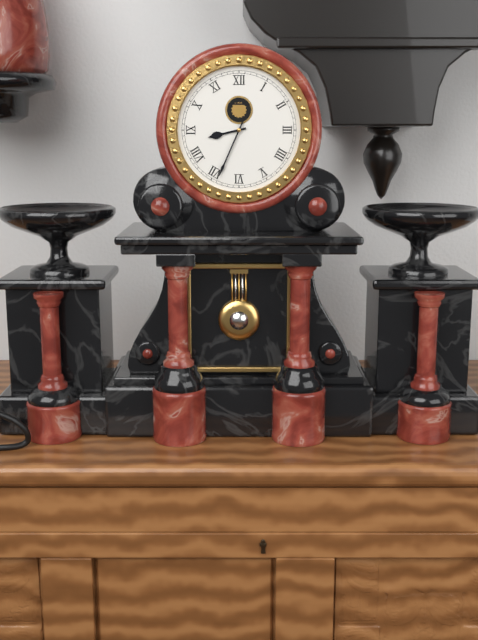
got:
8:34
